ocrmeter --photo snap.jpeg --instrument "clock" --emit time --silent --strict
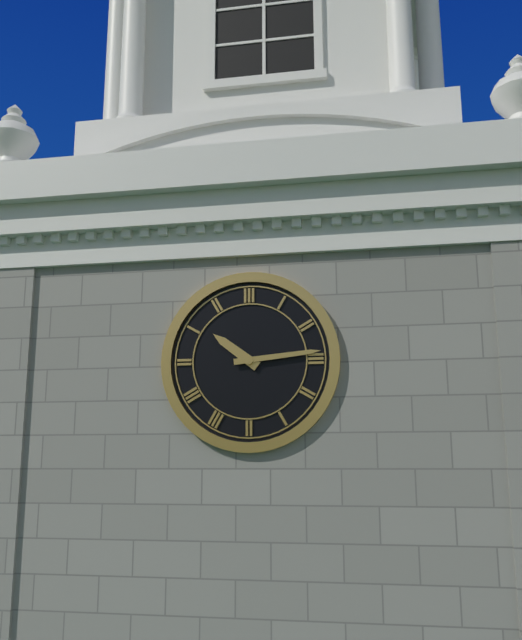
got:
10:14
